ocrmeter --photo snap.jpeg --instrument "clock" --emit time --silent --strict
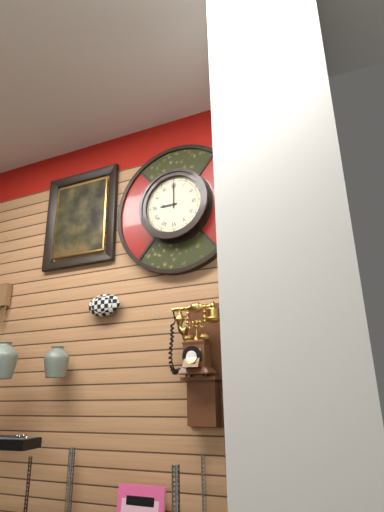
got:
9:00
